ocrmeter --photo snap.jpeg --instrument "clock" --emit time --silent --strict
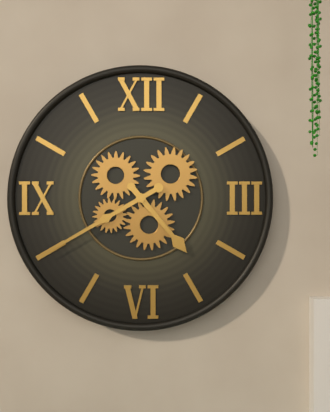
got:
4:40
